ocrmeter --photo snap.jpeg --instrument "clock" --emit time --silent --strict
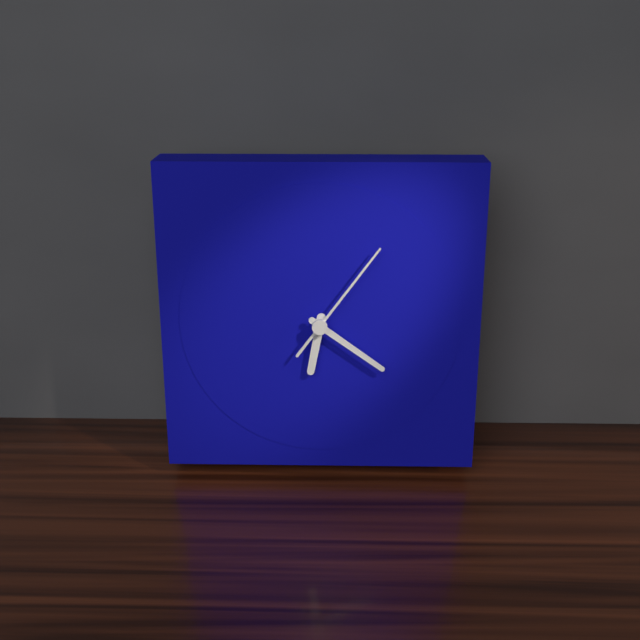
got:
6:21:06
